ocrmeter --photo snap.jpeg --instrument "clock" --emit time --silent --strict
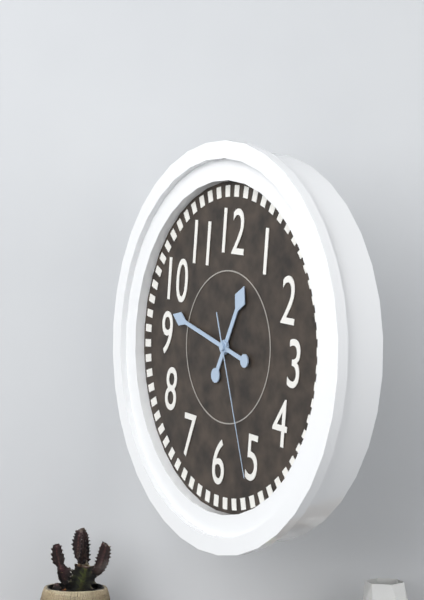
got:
12:47:26
